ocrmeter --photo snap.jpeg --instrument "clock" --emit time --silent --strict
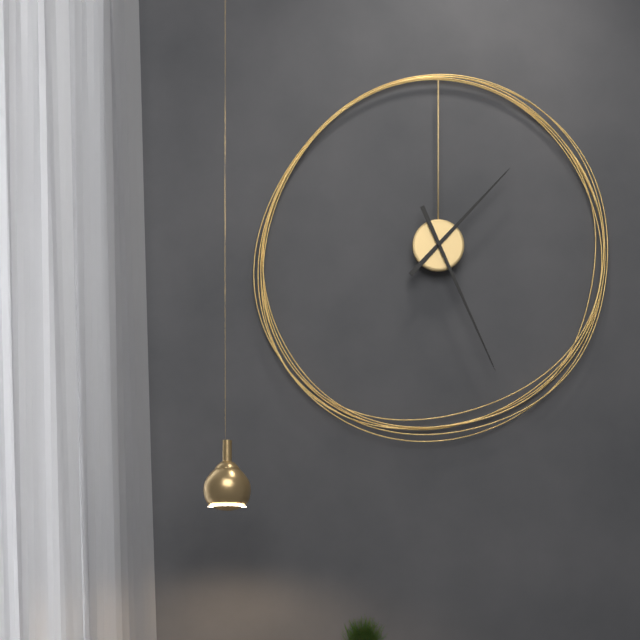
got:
1:26
